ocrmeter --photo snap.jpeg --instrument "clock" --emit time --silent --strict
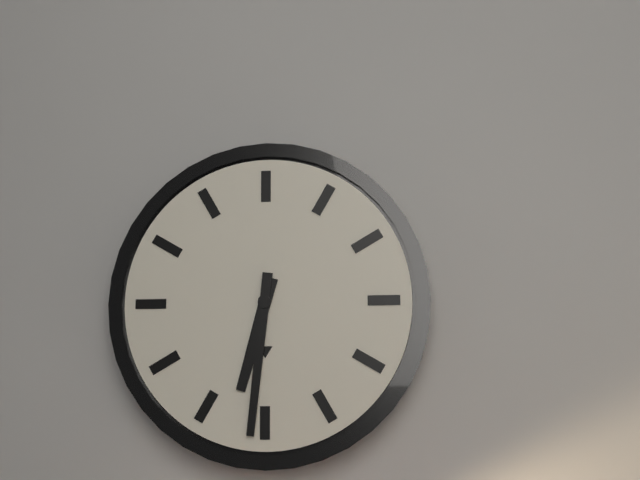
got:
6:31
